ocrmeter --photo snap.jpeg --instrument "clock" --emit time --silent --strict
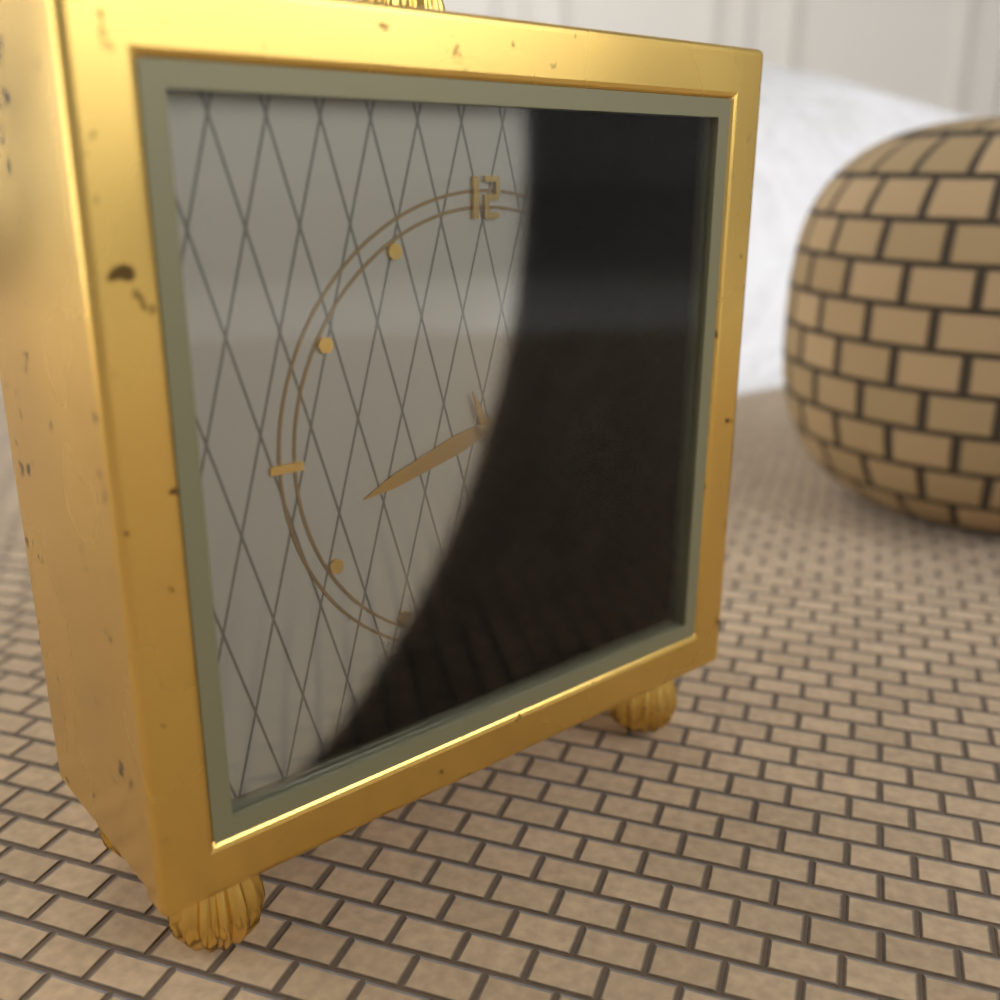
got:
8:26
